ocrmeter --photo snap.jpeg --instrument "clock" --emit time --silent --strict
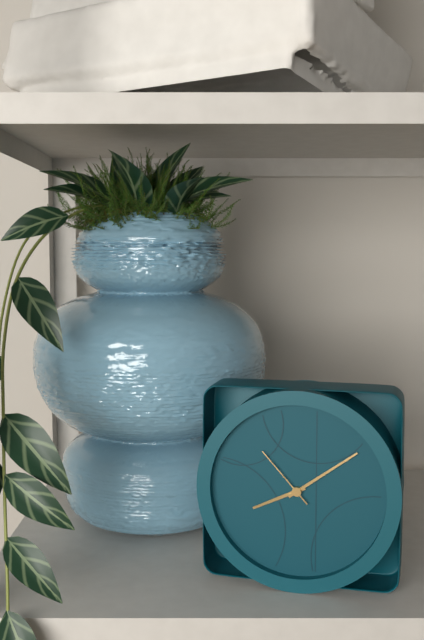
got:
8:09:53
